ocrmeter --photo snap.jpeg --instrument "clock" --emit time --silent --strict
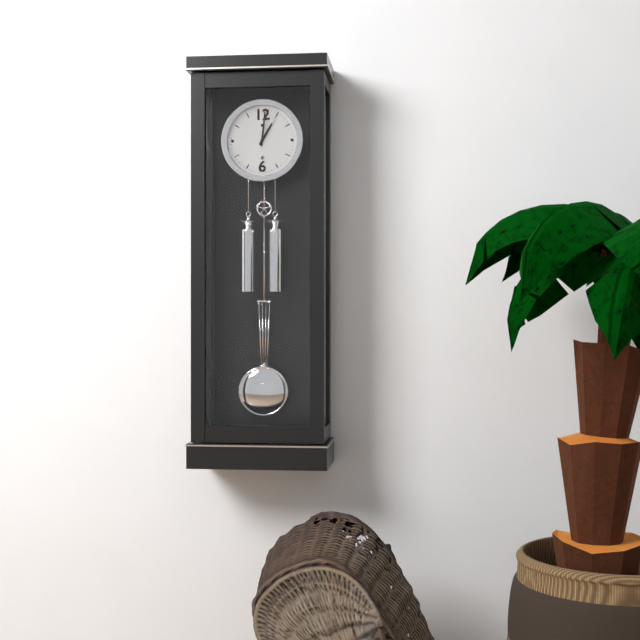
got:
1:01
